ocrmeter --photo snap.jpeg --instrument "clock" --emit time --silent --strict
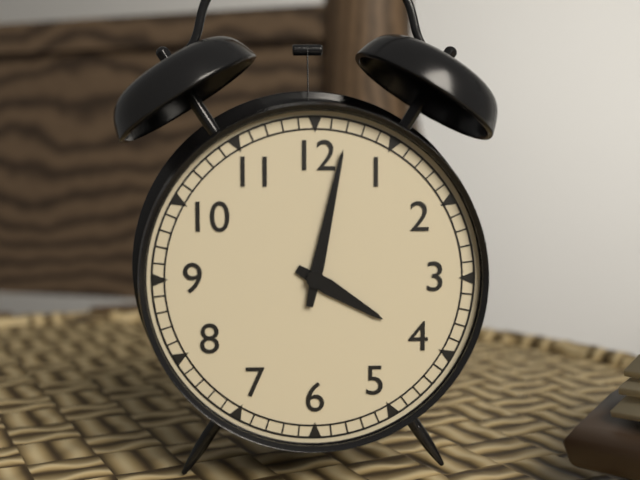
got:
4:02
